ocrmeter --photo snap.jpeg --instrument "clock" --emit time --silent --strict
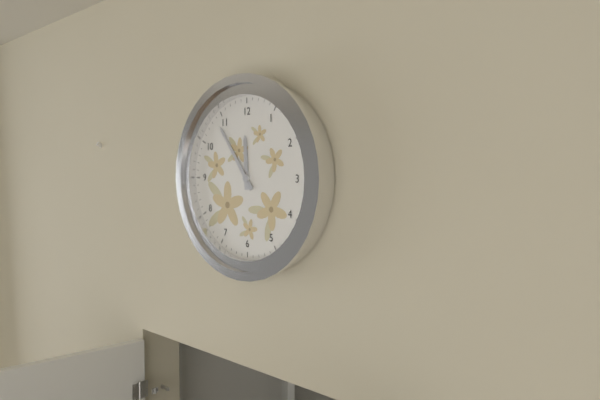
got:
11:54
